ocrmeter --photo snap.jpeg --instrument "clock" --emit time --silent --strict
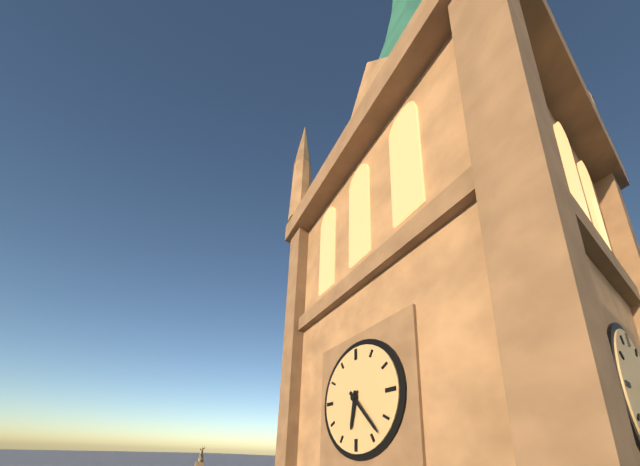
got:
6:23
